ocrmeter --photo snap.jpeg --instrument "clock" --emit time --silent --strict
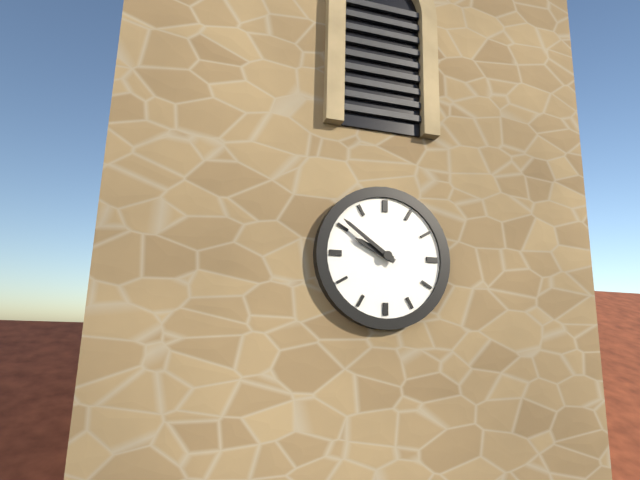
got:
9:51
